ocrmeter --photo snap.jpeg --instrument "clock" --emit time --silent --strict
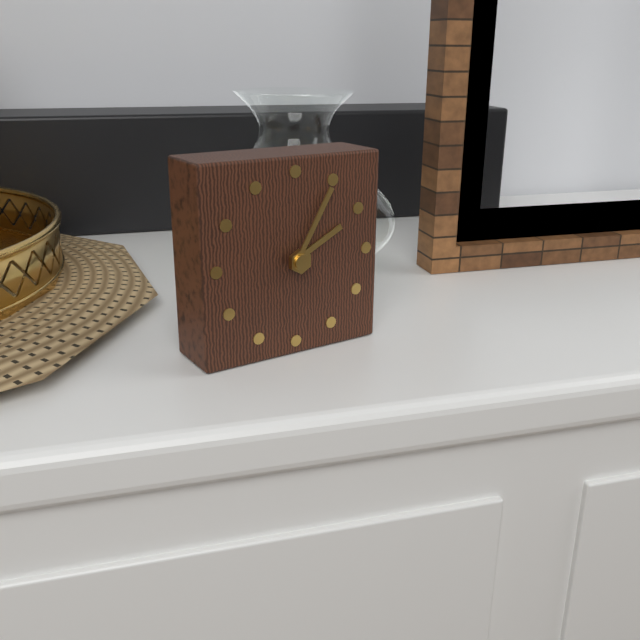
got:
2:05
